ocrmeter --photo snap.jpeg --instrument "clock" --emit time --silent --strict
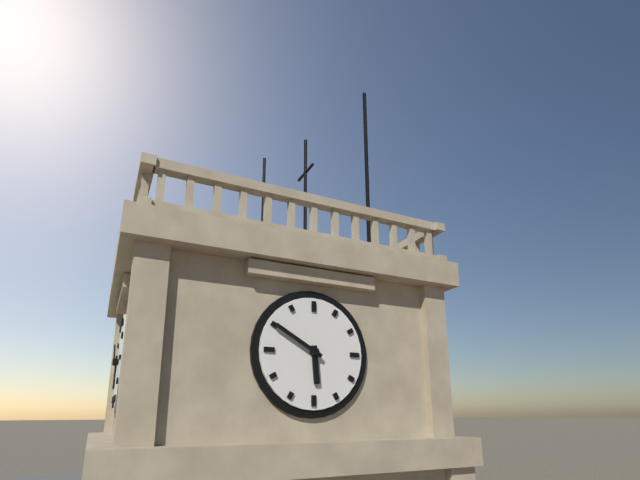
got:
5:50
